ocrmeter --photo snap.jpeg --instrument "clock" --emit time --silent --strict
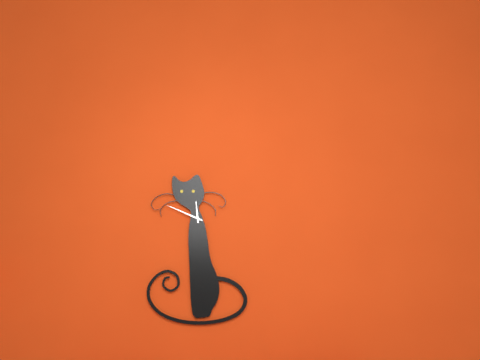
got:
11:49
